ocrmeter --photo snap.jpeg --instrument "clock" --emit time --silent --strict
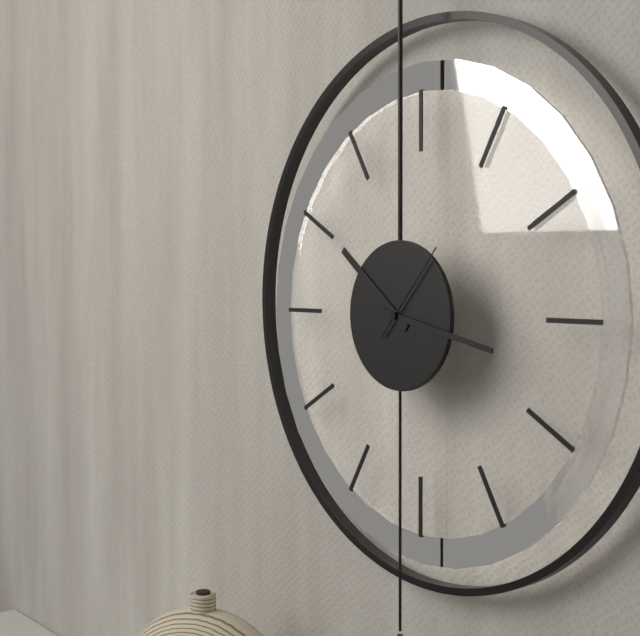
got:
10:17:07
